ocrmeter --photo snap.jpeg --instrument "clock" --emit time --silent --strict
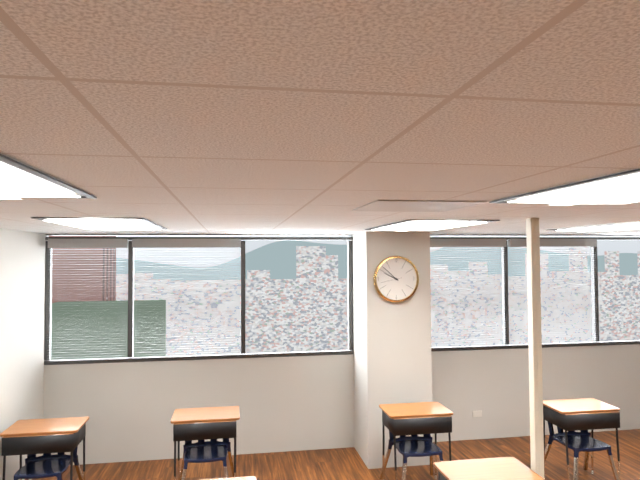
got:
9:52
